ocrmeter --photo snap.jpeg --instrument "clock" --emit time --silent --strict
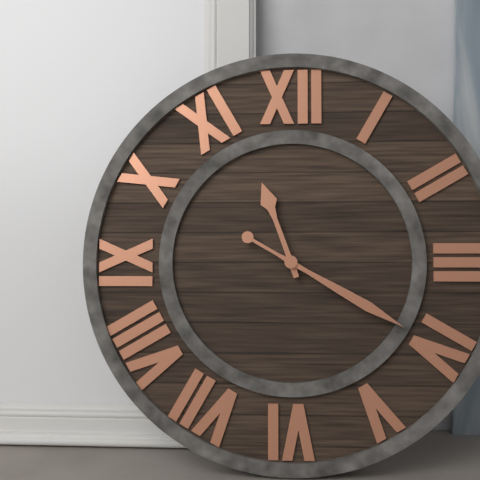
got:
11:20
